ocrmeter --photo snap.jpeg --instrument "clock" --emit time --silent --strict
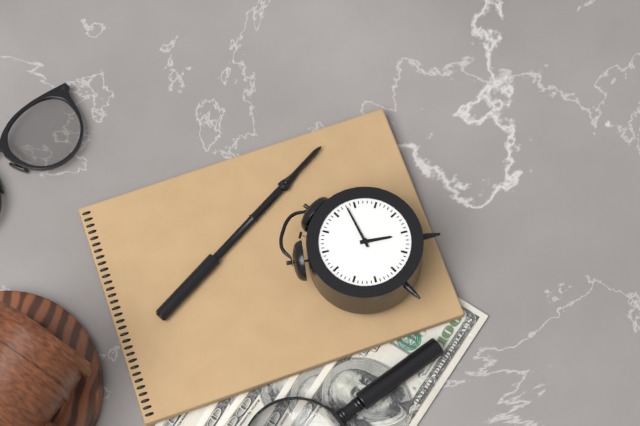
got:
5:08
